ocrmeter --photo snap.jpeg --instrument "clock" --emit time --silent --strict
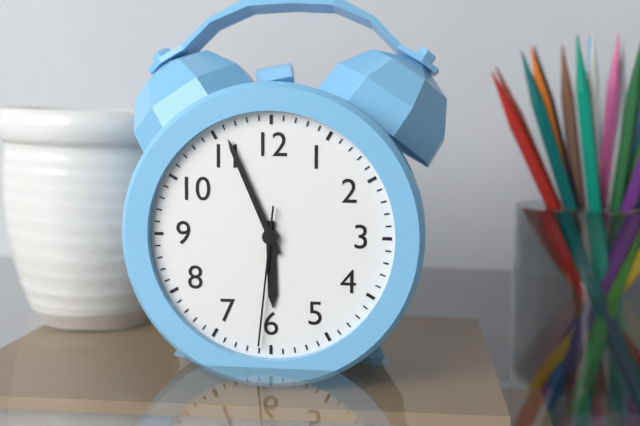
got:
5:56:31
